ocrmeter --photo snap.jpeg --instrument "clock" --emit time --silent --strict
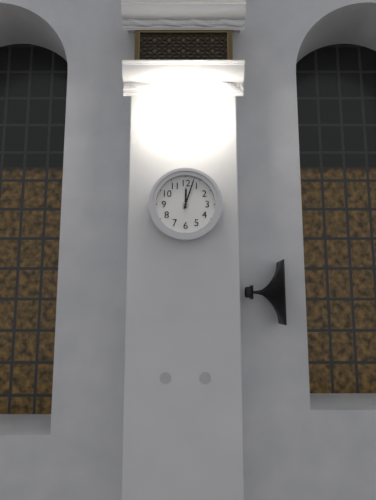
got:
12:03
